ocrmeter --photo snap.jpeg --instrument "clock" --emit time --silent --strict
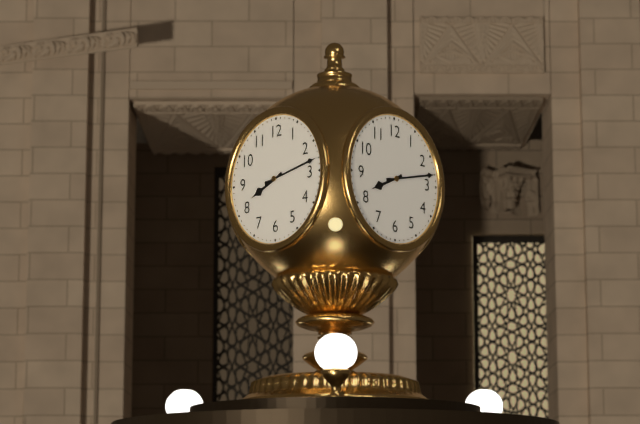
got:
8:13
